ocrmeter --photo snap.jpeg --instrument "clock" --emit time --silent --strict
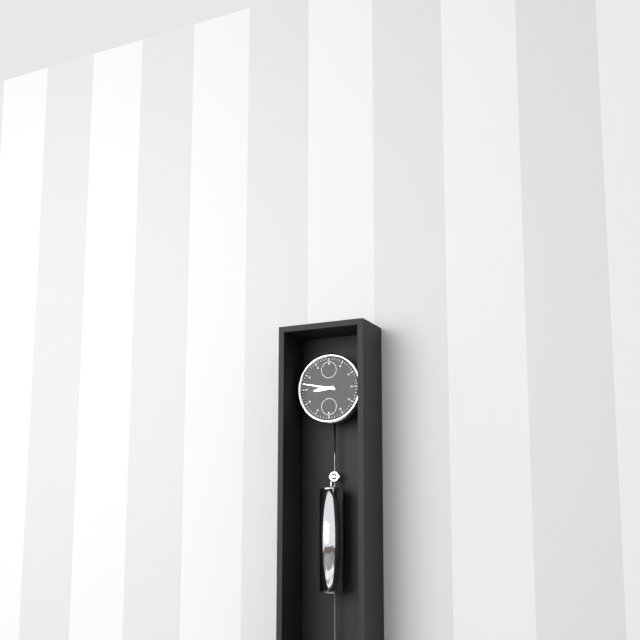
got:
8:47
